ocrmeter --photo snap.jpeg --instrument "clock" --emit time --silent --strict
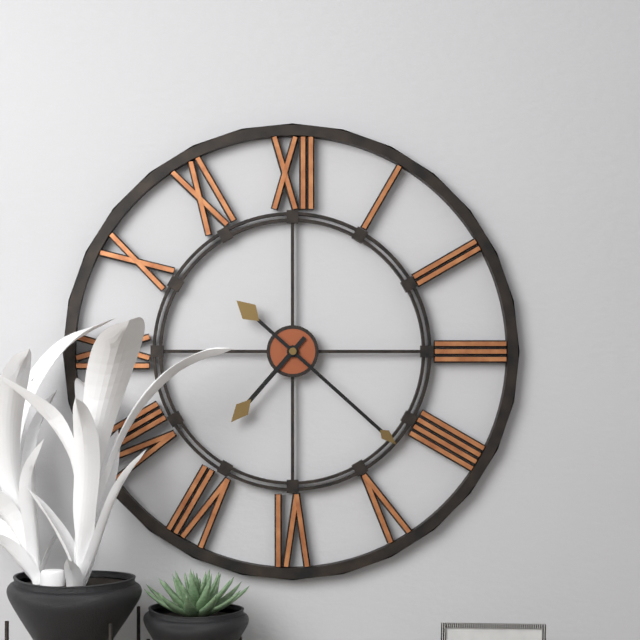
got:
7:22
